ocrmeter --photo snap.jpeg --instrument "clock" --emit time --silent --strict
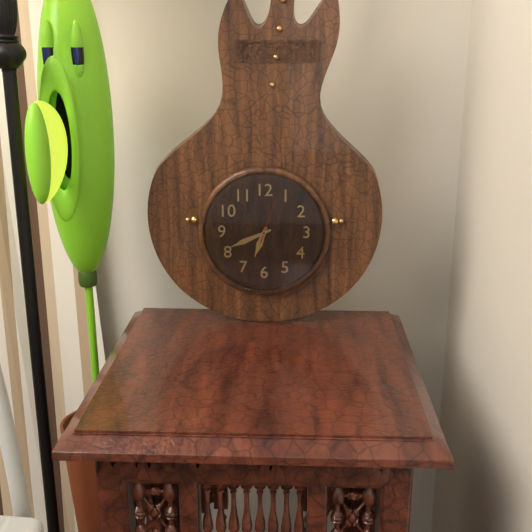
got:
6:41
